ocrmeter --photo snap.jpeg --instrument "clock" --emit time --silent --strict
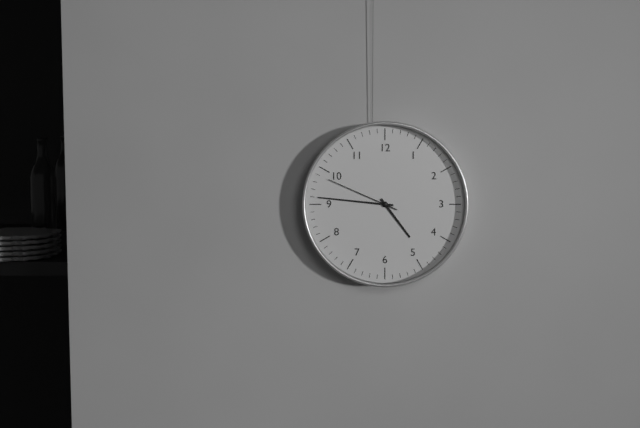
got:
4:46:49
